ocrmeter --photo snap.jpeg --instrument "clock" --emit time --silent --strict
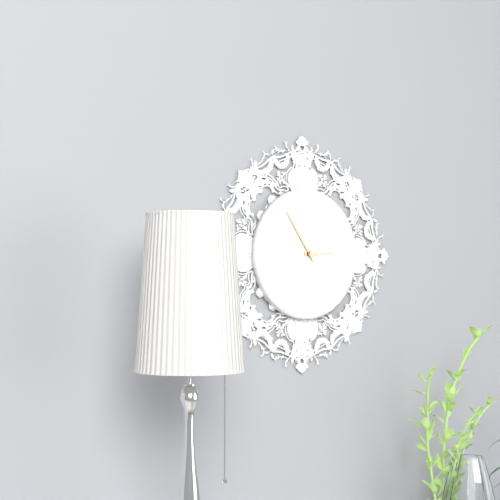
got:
2:54
